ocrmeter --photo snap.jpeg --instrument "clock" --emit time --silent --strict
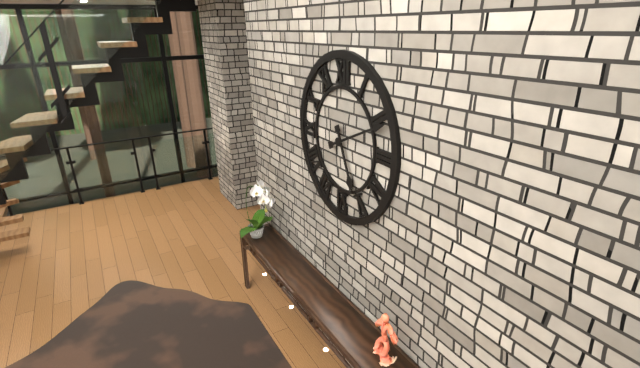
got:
5:11
